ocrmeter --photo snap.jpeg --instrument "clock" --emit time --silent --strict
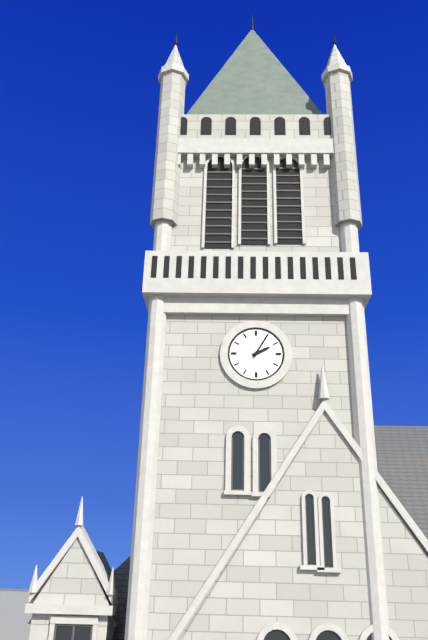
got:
2:05
